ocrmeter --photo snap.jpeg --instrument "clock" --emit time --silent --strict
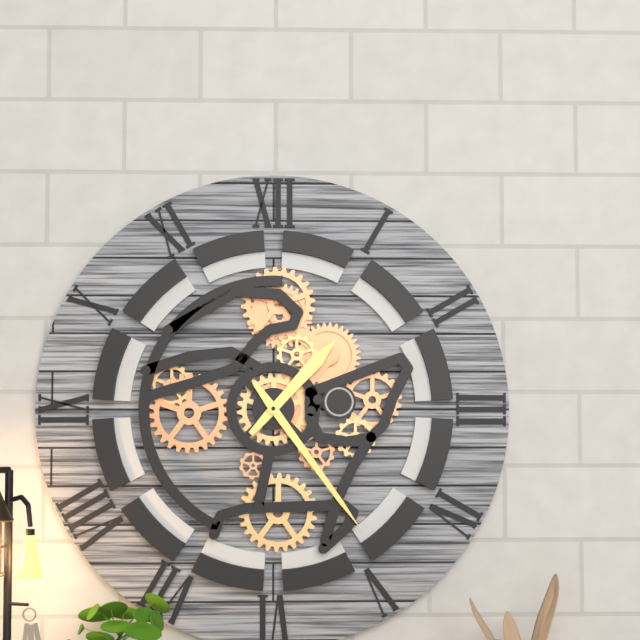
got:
1:24
